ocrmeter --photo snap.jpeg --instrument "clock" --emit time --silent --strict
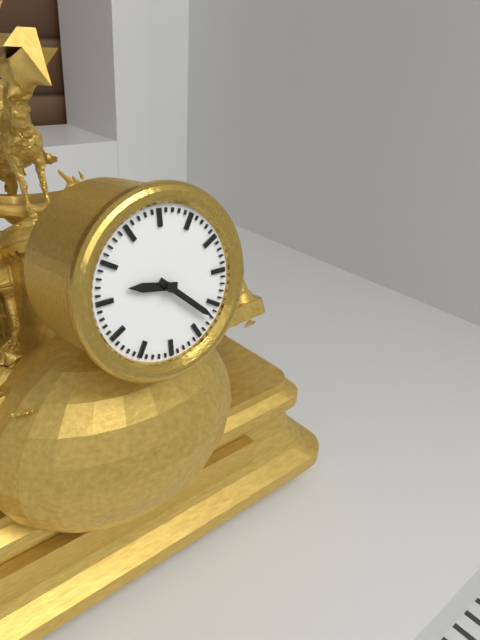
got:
9:22
